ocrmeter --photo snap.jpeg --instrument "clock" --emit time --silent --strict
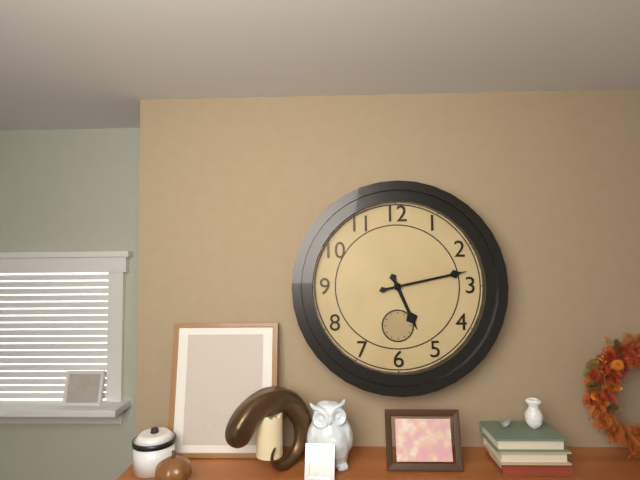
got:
5:13
